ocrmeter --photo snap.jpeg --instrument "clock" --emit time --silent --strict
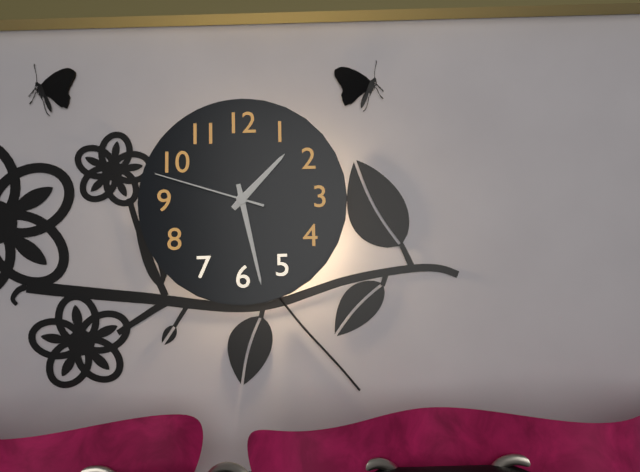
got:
1:28:48
